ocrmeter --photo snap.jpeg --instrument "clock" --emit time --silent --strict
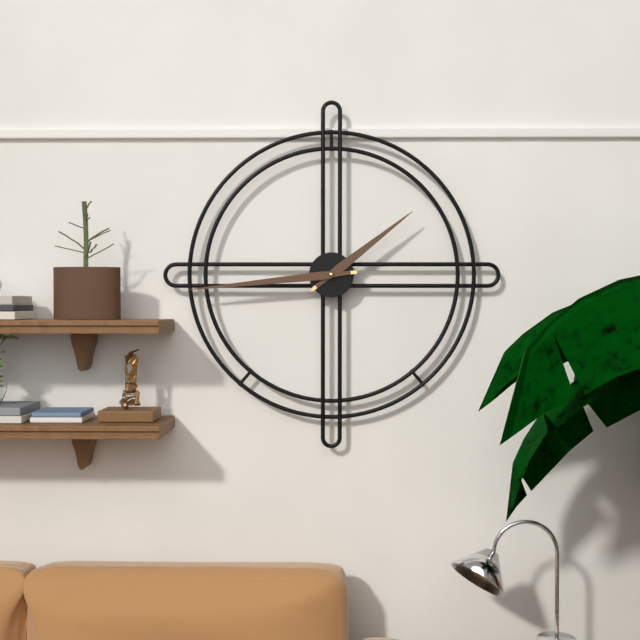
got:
1:44
